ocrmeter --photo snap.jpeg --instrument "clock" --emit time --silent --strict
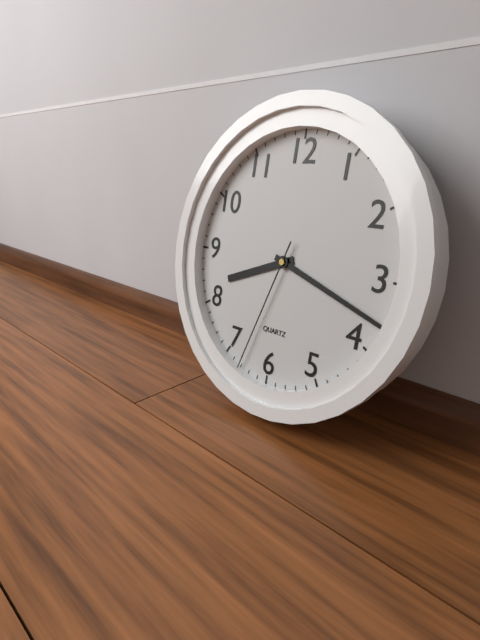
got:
8:18:33
